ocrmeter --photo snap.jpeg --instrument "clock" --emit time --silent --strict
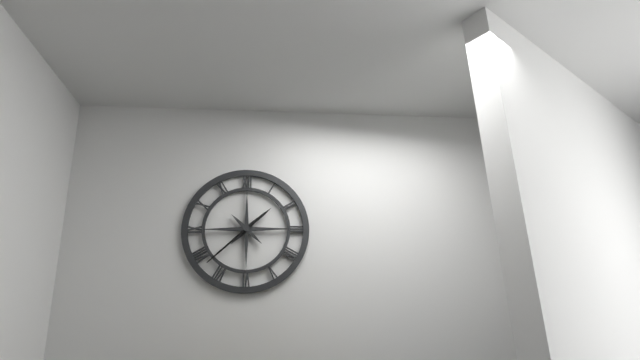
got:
1:38
